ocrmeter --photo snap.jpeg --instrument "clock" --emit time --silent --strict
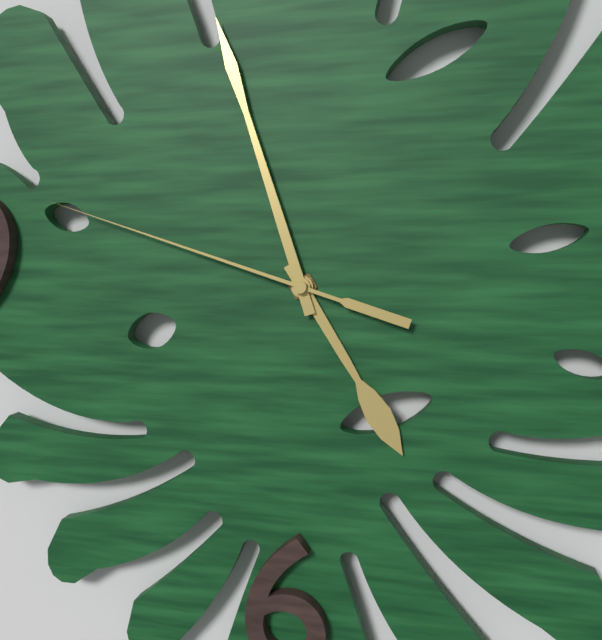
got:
4:57:48
